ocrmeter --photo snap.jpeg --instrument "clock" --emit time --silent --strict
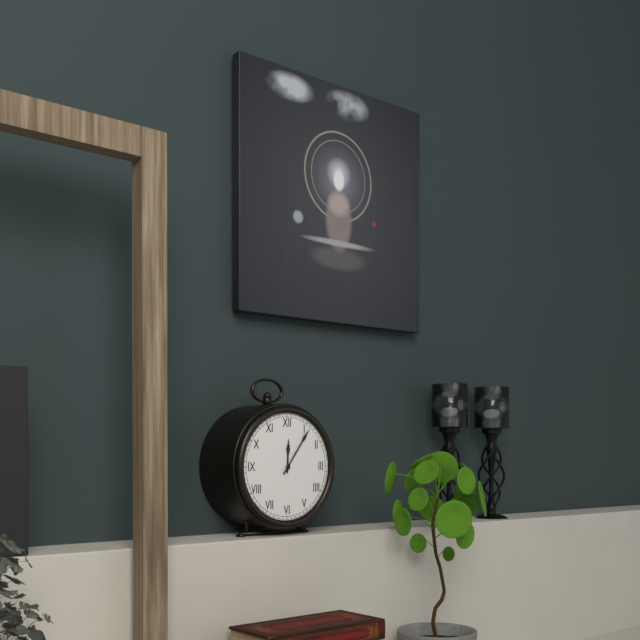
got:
12:06
